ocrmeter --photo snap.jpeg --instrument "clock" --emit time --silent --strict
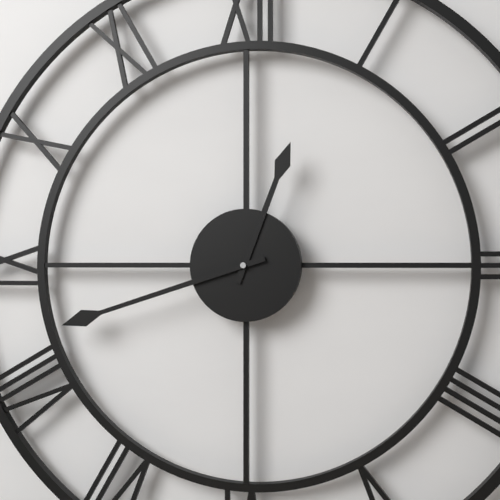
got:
12:42
